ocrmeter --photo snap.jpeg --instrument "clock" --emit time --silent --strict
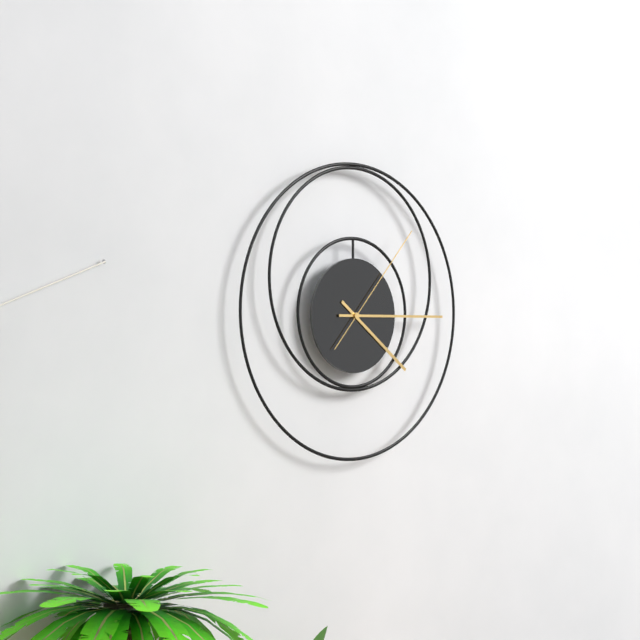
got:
4:15:07
